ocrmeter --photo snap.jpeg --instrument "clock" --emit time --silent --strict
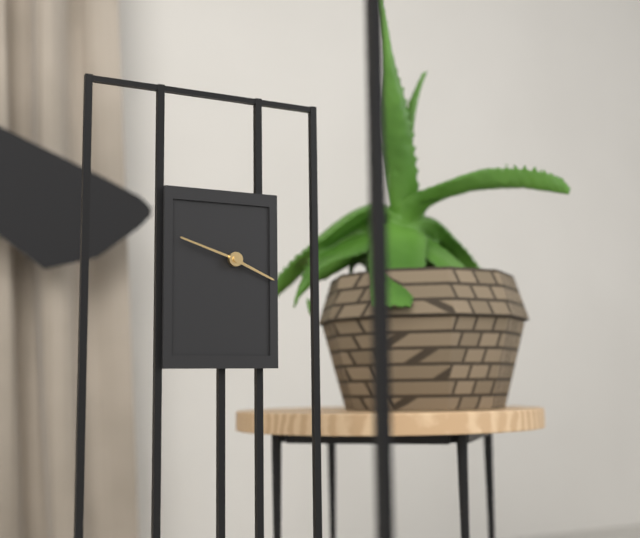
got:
3:48
